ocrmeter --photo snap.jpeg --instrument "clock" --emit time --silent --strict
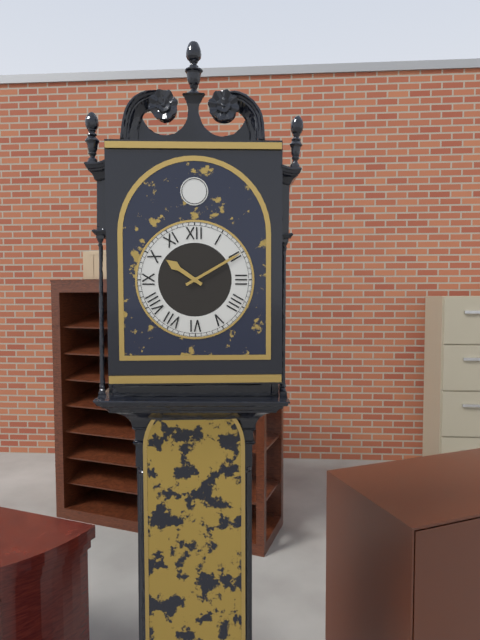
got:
10:10
